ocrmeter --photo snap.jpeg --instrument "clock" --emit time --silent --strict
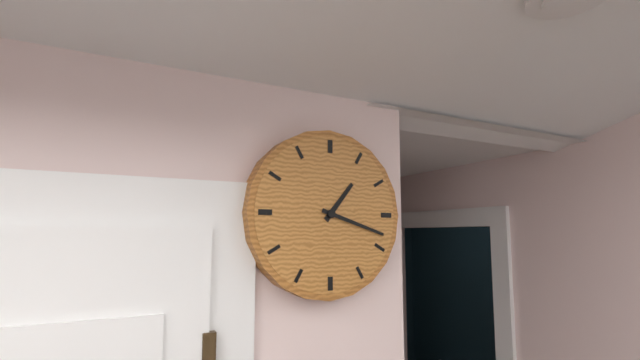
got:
1:18
